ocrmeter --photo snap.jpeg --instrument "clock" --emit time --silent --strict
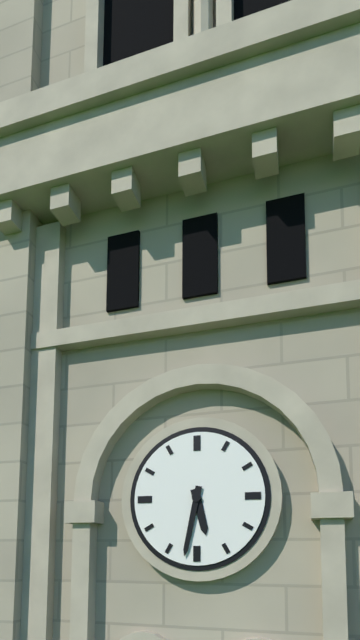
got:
5:32
